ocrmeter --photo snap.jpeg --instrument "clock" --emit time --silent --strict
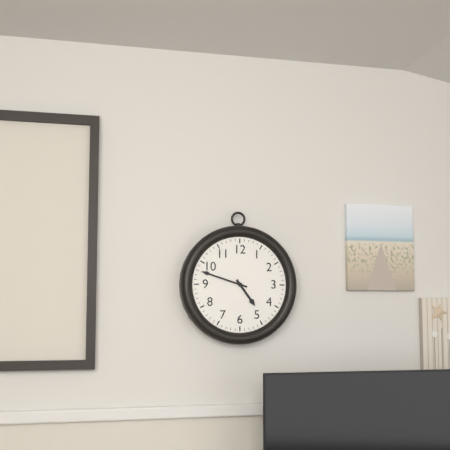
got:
4:48
